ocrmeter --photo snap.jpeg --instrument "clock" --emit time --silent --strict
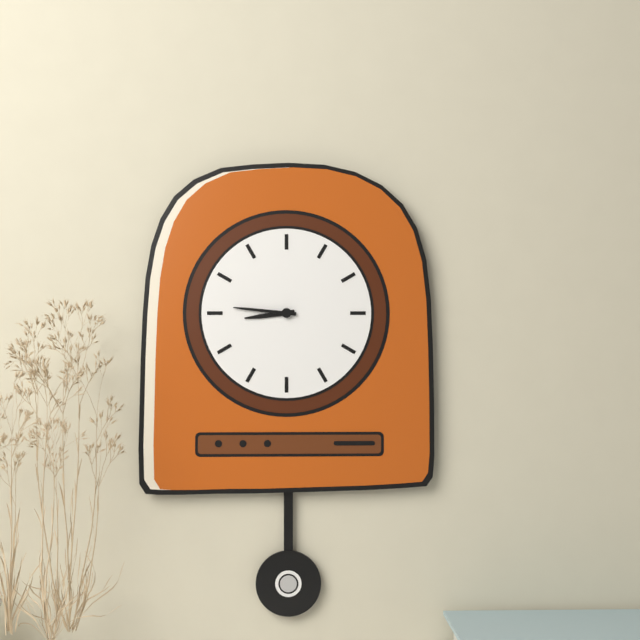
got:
8:46
